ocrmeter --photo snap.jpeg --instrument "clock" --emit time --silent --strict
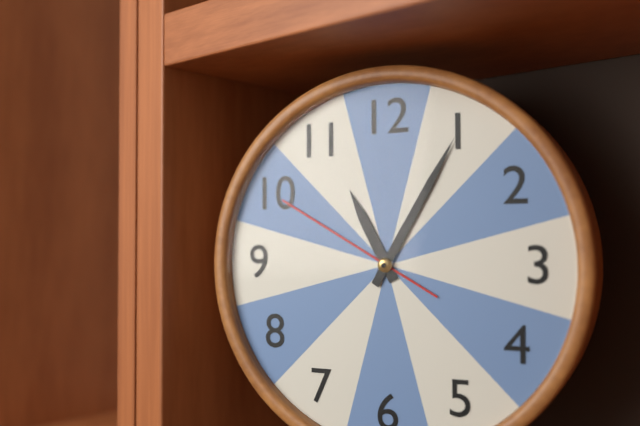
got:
11:05:50
